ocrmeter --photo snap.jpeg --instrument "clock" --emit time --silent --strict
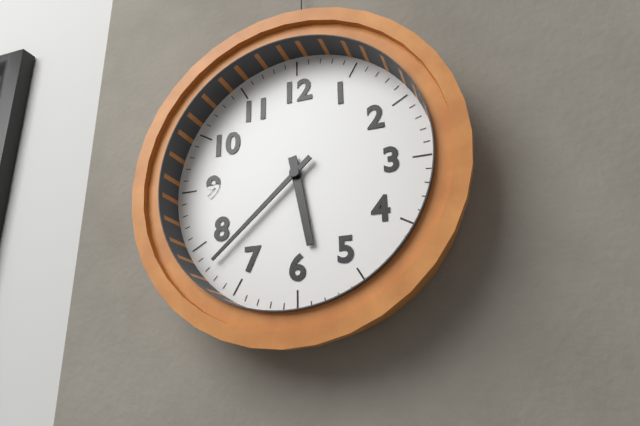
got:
5:38
